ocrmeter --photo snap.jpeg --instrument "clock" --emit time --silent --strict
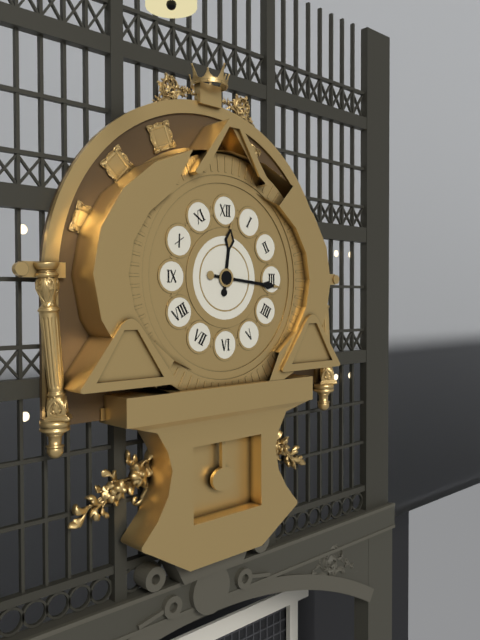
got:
12:16
